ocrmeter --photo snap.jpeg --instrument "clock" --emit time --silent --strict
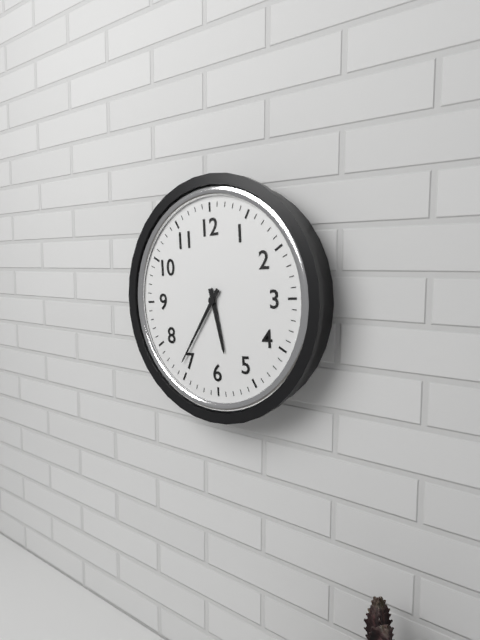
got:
5:36
